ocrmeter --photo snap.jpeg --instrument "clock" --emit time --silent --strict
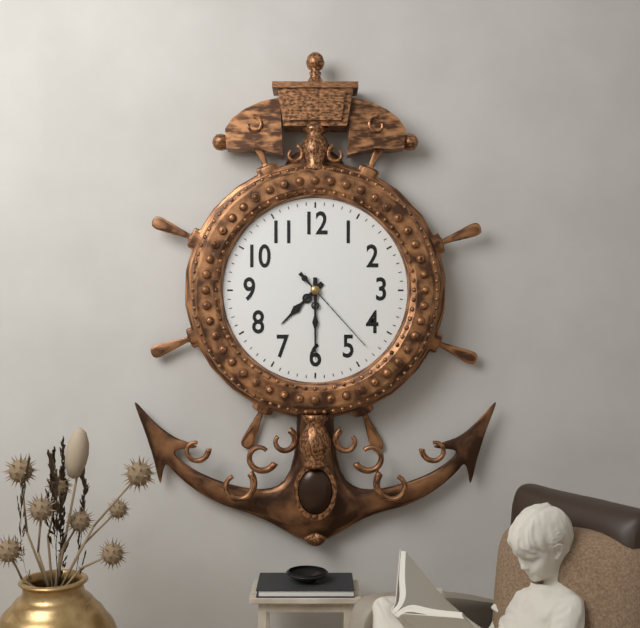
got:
7:30:23
